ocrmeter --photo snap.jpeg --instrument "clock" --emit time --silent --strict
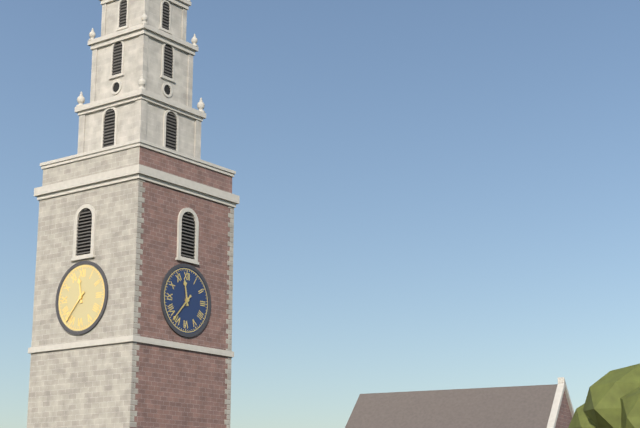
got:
11:37
